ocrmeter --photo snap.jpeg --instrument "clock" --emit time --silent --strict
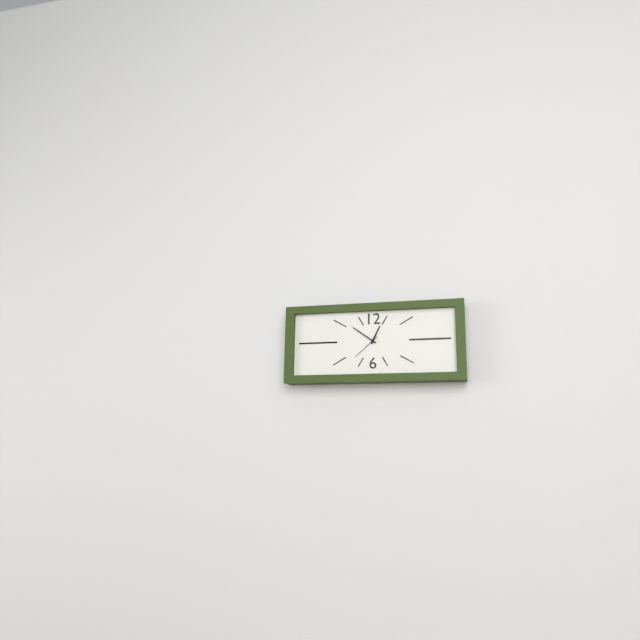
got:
12:51
